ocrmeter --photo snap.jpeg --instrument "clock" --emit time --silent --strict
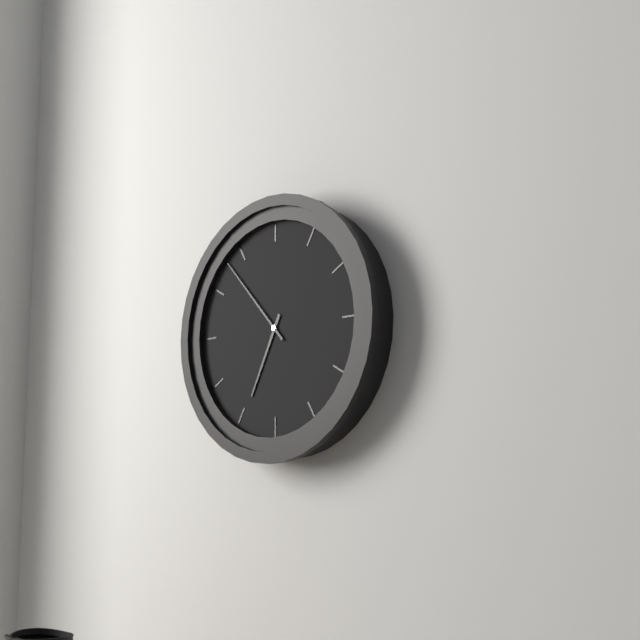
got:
6:53
